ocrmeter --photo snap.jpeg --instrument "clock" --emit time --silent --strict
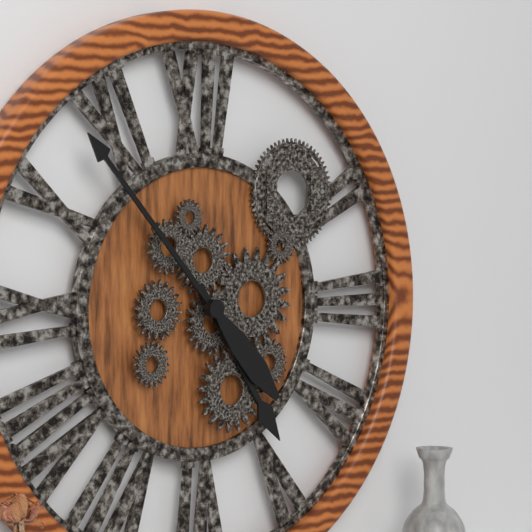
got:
4:53
